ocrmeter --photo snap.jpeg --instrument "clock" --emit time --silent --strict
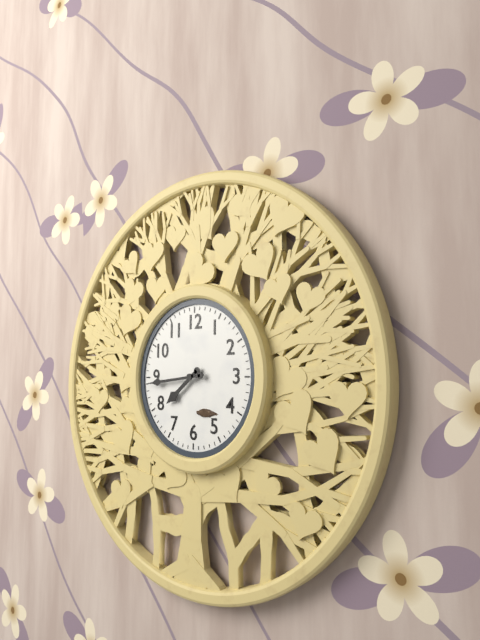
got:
7:44
